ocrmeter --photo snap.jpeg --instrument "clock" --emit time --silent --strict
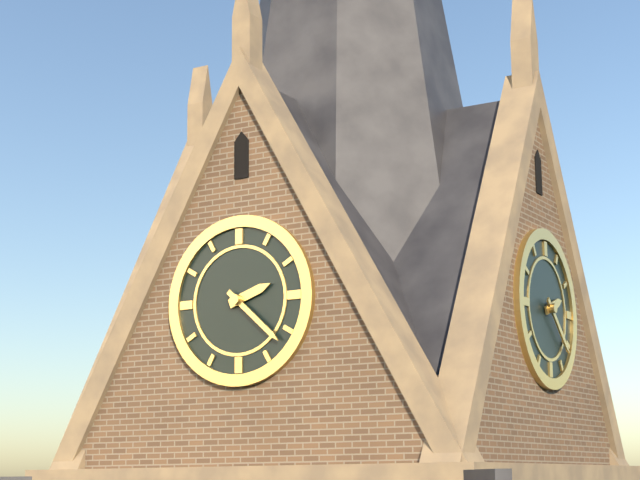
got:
2:22
